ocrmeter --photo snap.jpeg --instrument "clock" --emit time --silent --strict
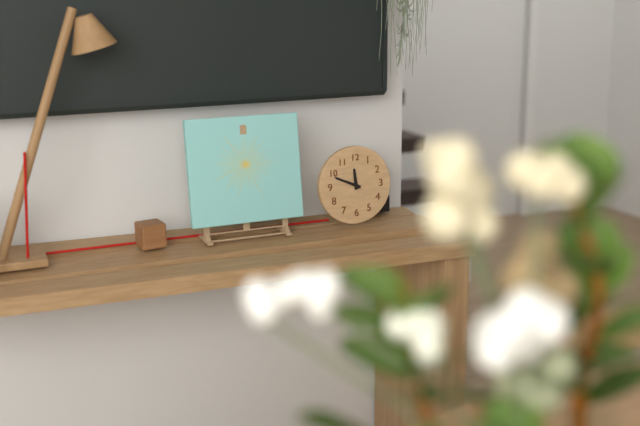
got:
11:49
